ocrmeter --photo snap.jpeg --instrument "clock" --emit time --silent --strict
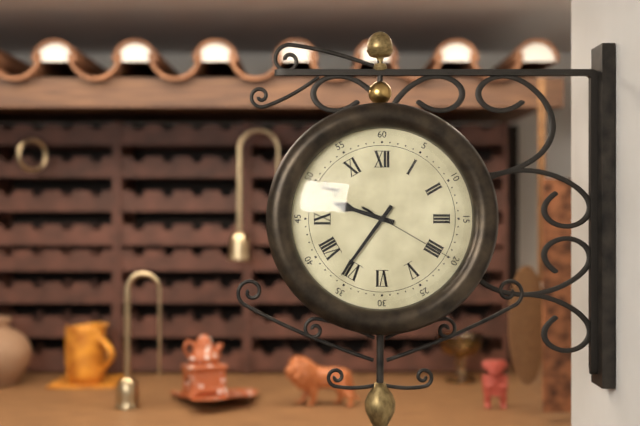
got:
9:36:20
